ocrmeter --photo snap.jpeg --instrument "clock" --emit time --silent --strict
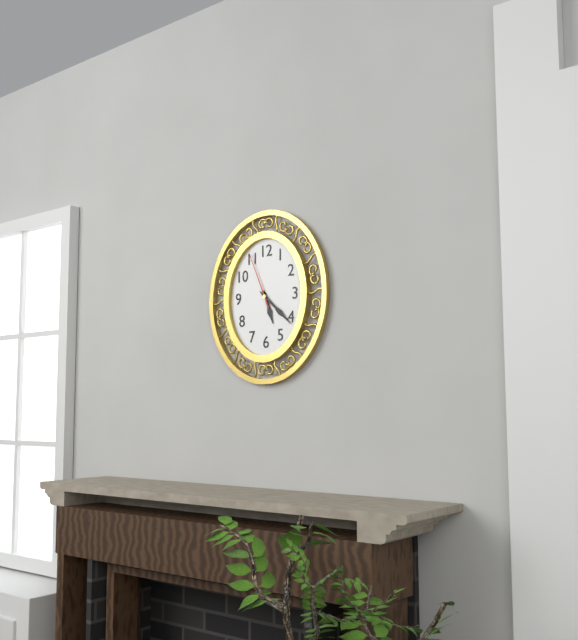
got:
5:22:56
